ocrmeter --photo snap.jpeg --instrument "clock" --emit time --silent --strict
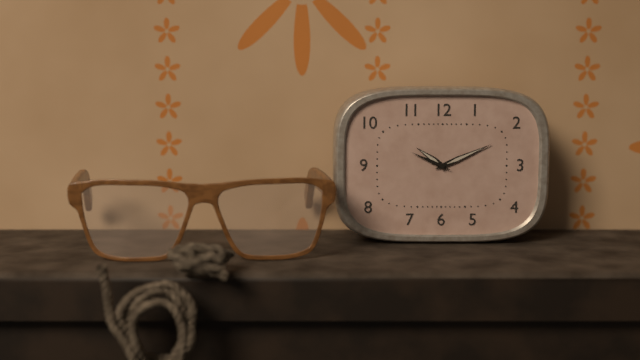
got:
10:11
